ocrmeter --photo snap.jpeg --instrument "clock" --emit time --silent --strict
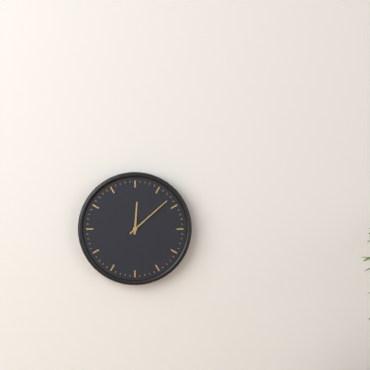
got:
12:08
